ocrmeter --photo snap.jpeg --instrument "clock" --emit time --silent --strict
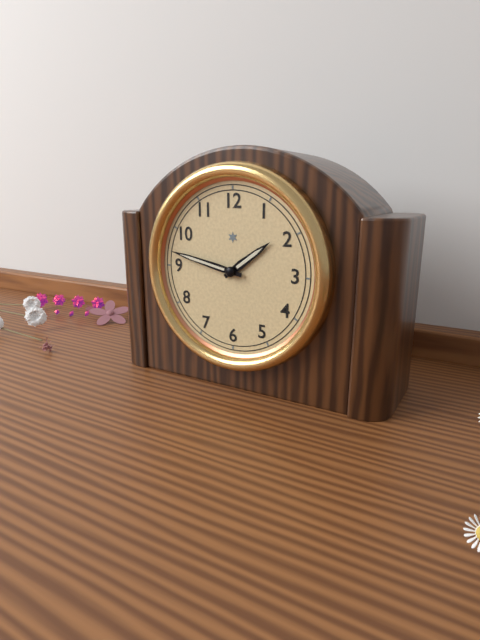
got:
1:47
